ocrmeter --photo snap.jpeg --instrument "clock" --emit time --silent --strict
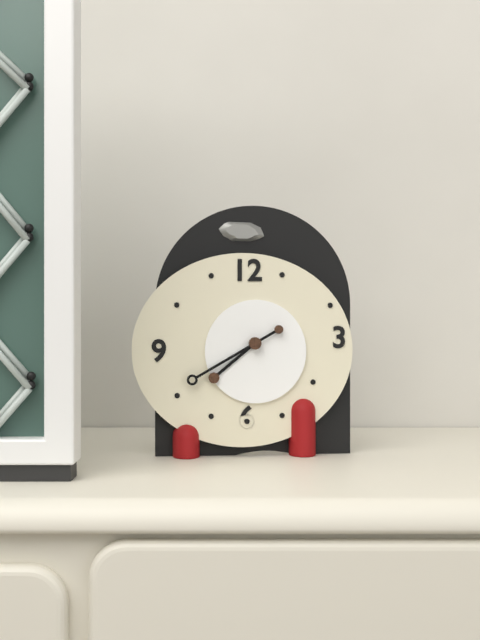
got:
7:40
